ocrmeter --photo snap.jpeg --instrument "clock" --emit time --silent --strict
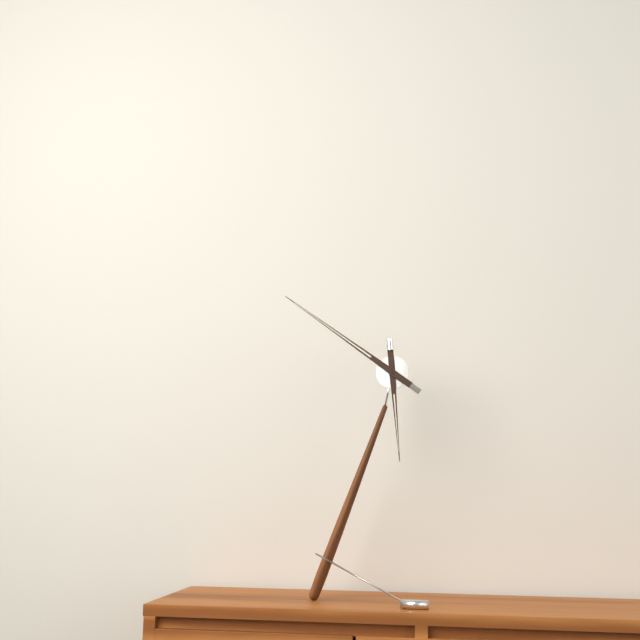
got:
5:51
